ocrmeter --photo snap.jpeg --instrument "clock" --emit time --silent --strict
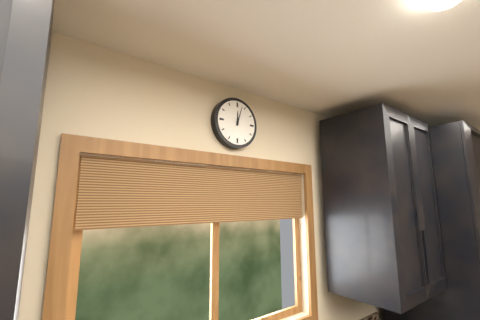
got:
12:03
